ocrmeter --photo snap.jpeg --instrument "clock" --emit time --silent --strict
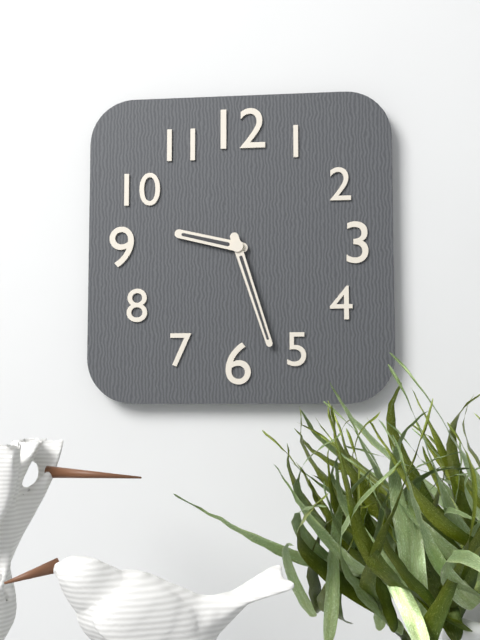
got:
9:27
